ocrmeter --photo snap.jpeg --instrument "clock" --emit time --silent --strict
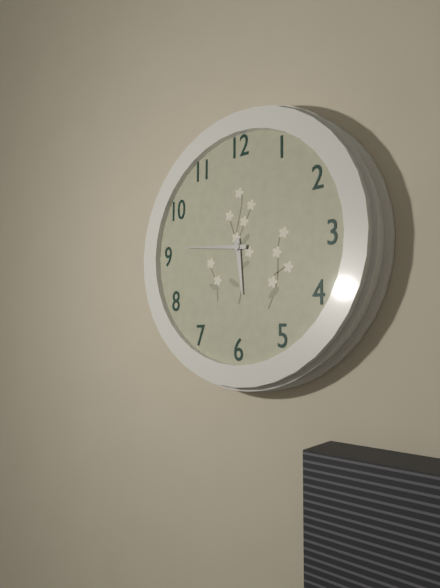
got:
5:46
